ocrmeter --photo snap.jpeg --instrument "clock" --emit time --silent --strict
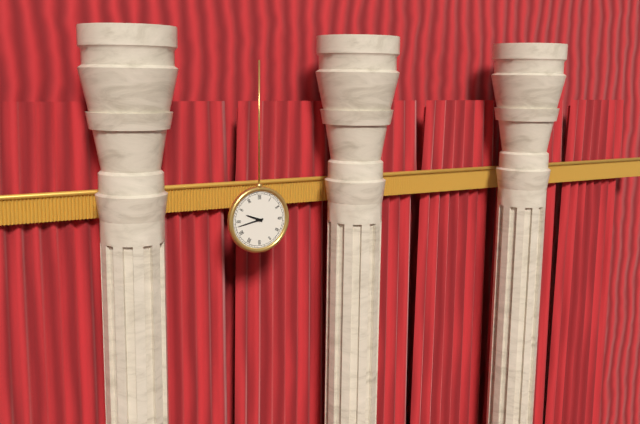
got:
9:43
